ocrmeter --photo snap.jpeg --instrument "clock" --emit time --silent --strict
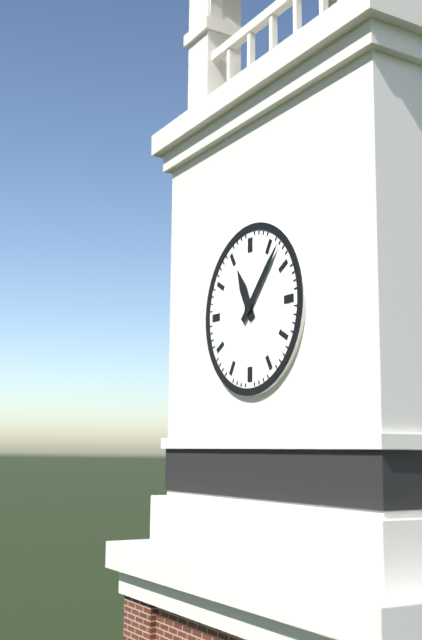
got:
11:07
